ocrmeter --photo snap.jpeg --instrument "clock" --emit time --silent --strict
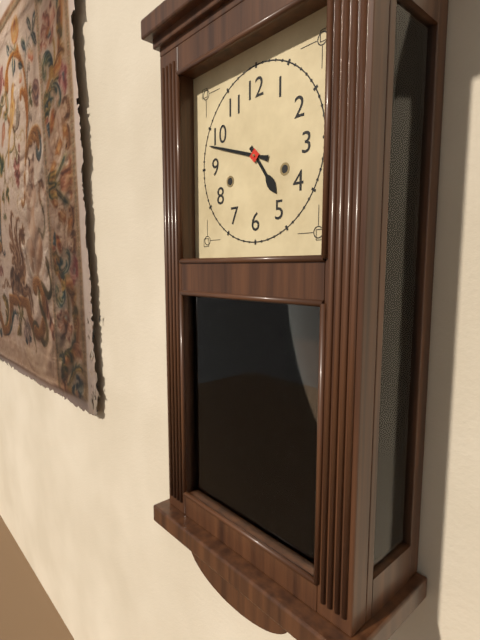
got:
4:48
